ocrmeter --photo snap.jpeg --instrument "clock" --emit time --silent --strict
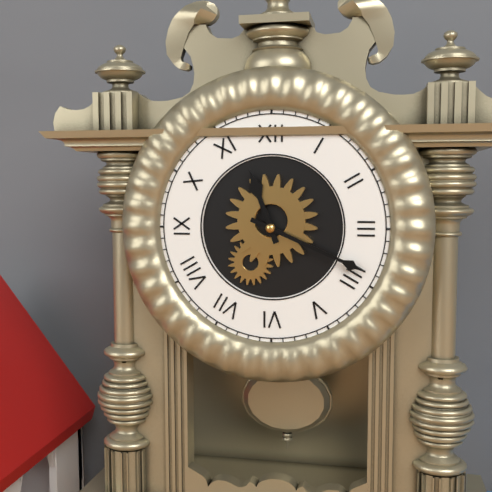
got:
11:19
